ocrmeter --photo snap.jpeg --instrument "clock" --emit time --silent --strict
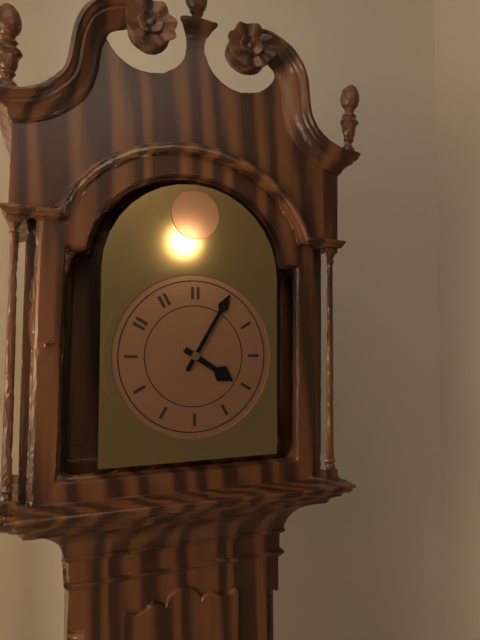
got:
4:05
